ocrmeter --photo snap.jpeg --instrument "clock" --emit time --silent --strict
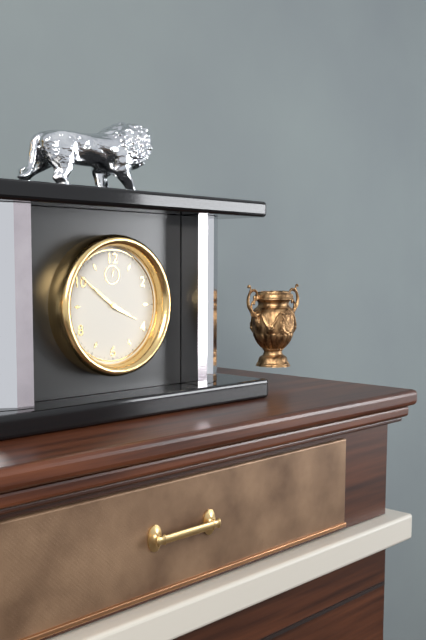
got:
3:51
